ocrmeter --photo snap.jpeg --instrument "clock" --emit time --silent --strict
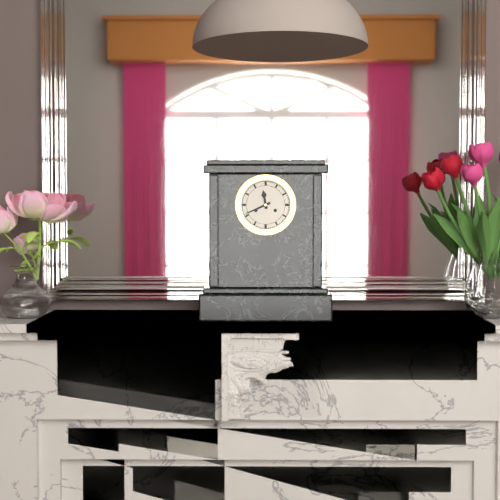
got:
11:41
